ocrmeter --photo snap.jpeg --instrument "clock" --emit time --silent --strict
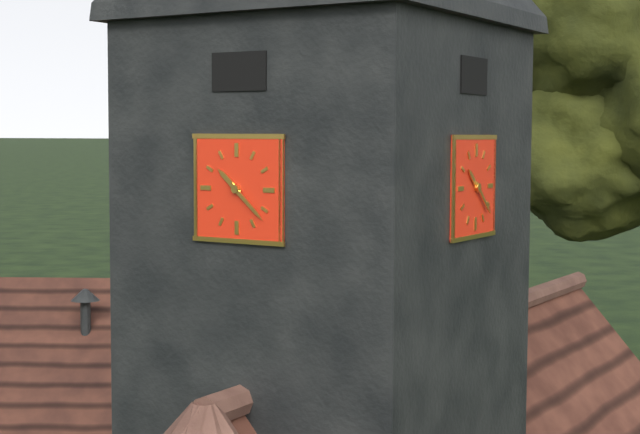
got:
10:22
